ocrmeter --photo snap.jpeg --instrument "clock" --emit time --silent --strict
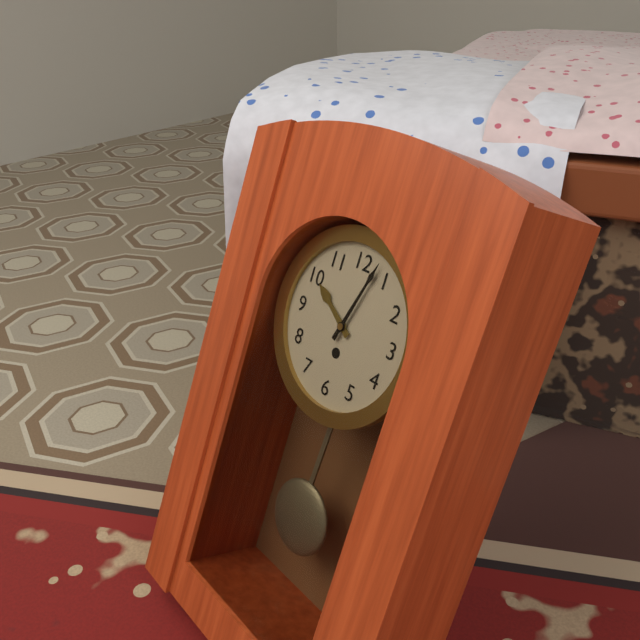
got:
10:03
